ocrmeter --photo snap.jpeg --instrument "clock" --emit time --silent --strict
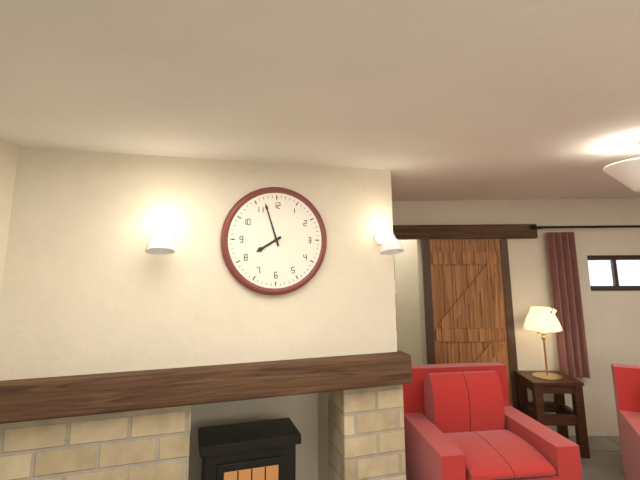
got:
7:57
